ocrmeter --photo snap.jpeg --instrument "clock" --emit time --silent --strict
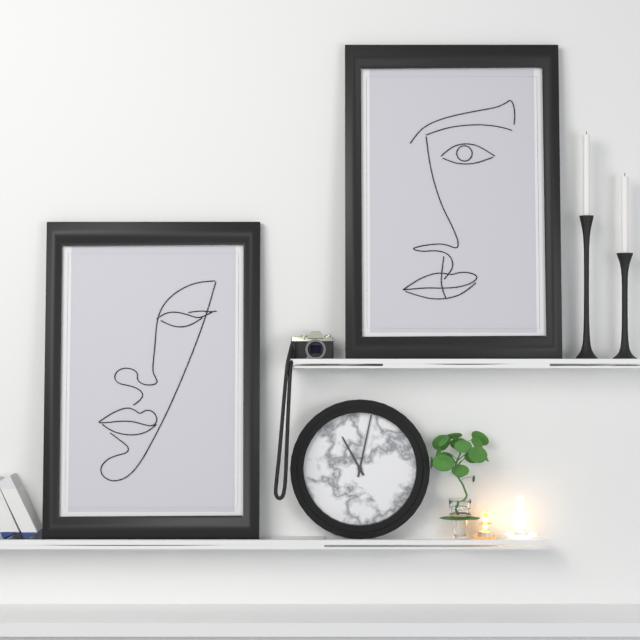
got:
11:02
